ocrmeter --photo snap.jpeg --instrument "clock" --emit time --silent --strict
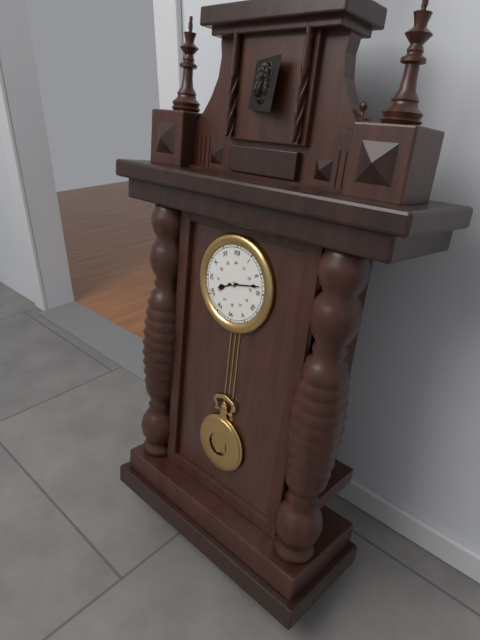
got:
8:13
